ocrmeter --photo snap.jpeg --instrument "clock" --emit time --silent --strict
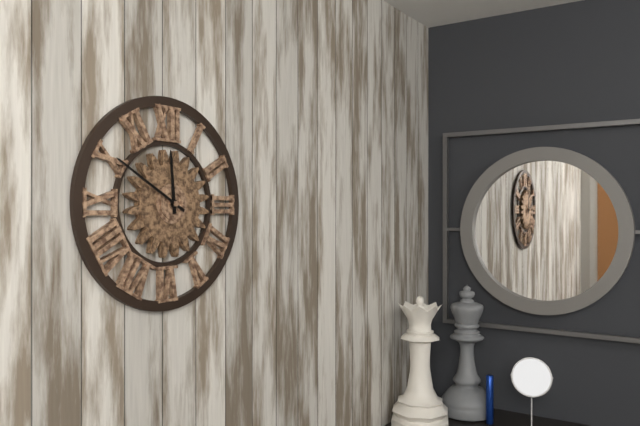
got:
11:50
